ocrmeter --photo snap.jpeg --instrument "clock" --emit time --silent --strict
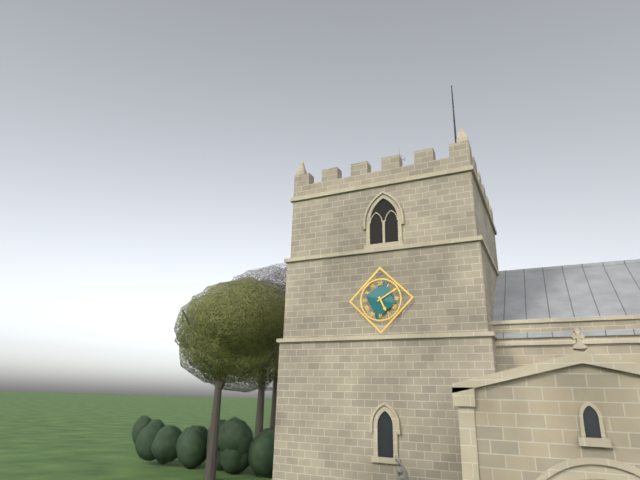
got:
5:10
